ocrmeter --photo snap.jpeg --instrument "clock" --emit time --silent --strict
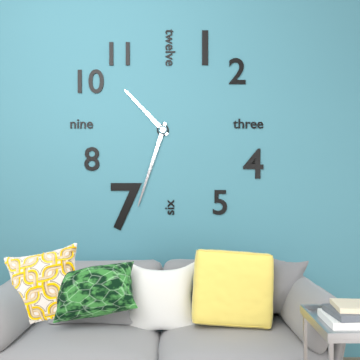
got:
10:33
